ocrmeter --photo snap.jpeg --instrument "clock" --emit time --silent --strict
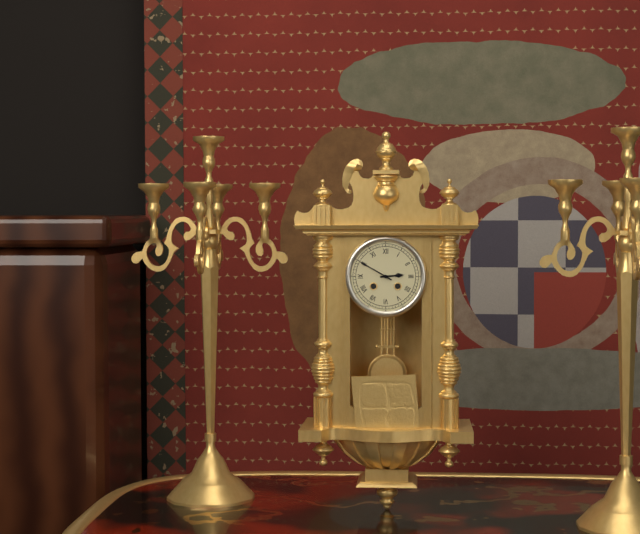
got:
2:50
